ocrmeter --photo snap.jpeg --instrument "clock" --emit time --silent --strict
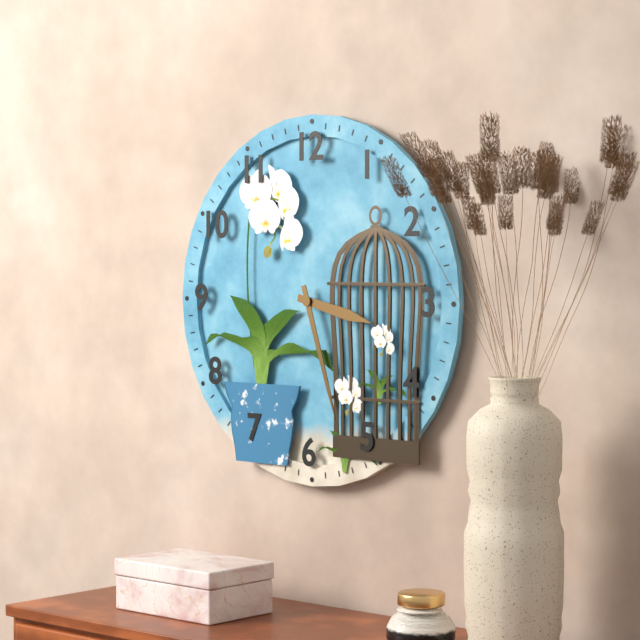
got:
3:27
